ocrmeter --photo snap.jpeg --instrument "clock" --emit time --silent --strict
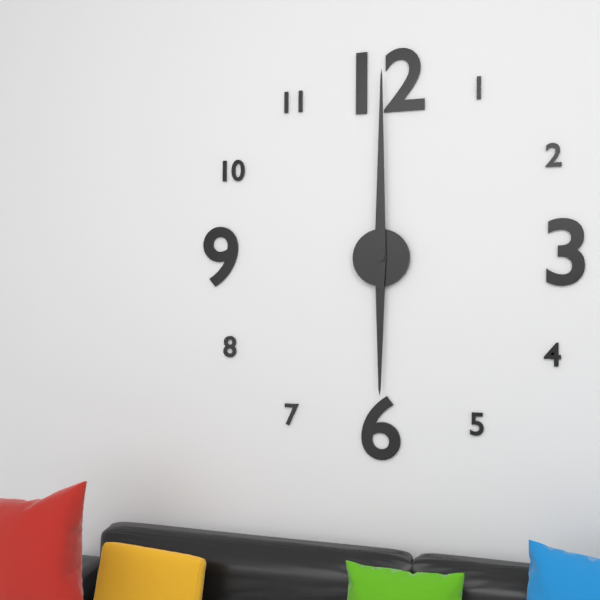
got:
6:00
